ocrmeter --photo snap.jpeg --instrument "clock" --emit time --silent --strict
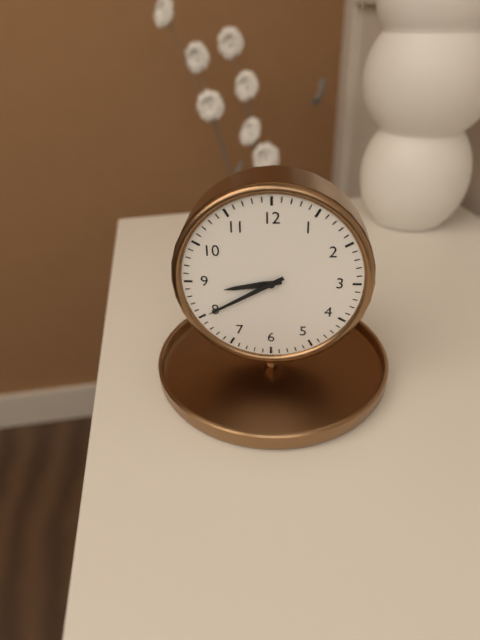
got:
8:40
